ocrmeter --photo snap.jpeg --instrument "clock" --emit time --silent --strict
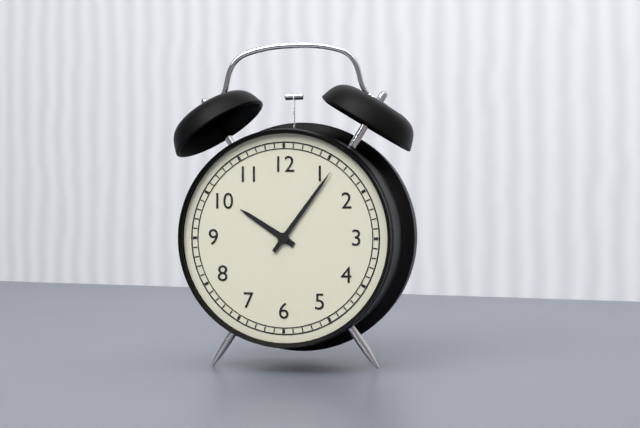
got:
10:06
